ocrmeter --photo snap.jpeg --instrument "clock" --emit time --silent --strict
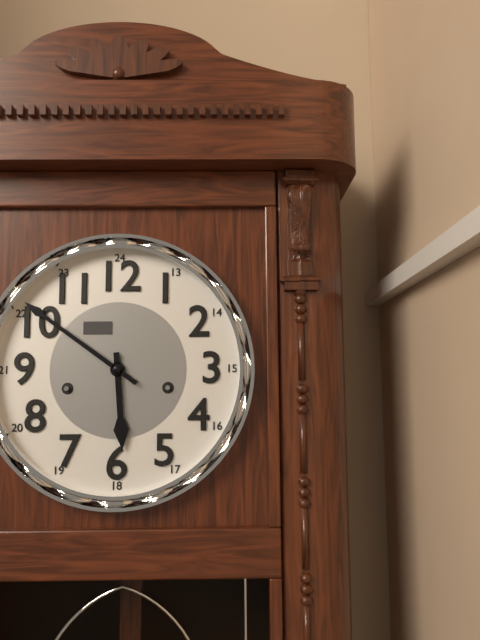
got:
5:51
